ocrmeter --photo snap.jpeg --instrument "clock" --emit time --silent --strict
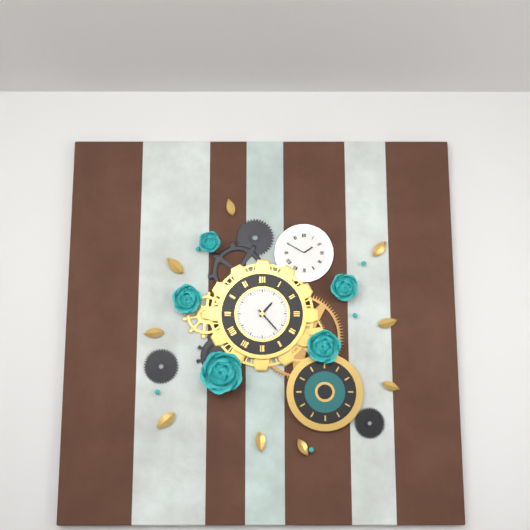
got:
1:23
